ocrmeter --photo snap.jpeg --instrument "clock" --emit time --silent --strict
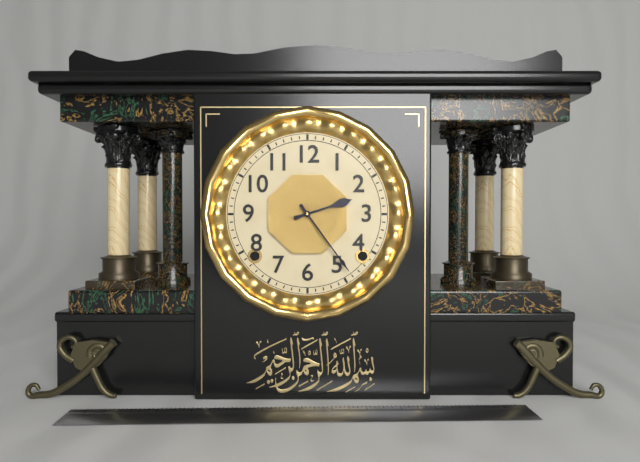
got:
2:24
